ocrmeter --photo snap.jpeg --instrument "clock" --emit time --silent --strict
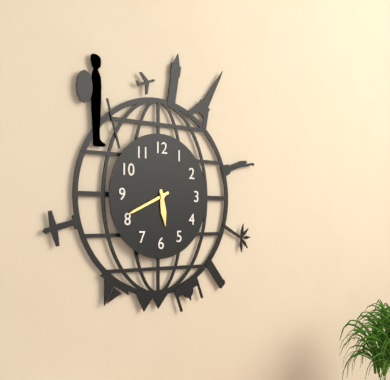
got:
5:41
